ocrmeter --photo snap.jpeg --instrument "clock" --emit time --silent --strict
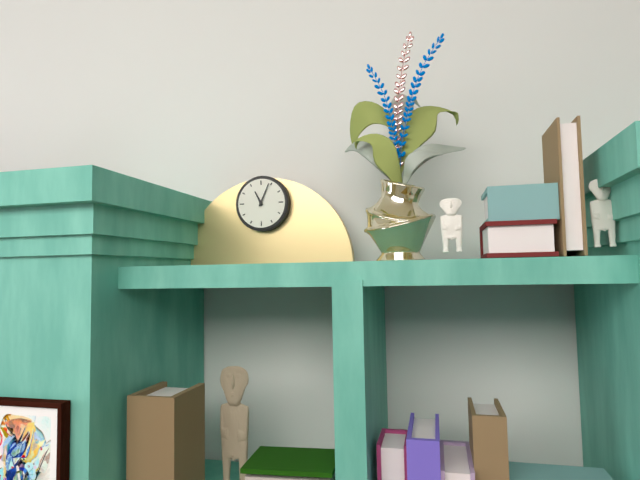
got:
11:04
